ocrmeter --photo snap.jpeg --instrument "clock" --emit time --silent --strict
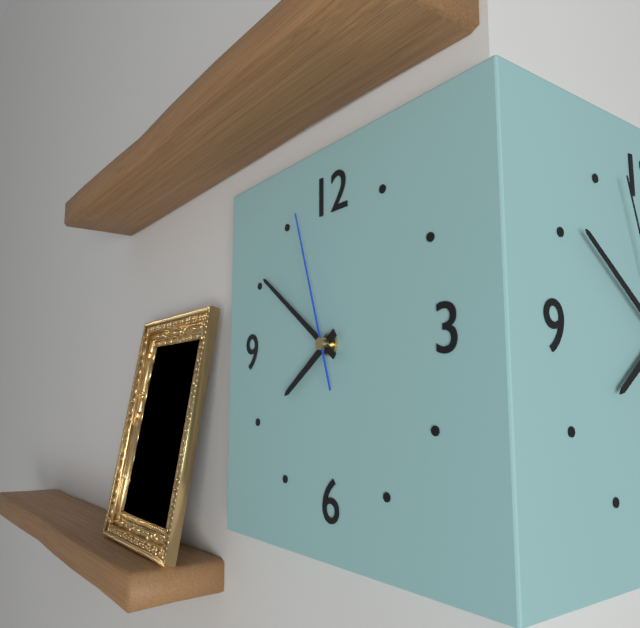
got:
7:51:57
